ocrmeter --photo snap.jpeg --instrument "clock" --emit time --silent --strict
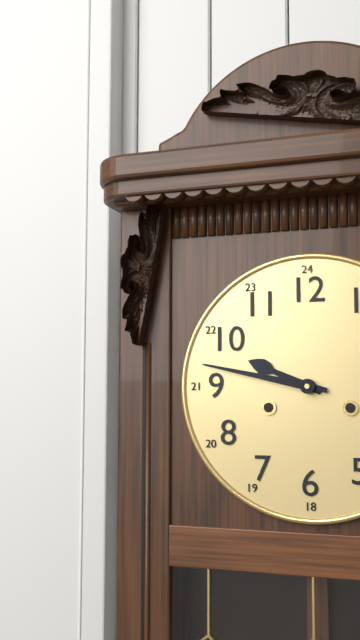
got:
9:47
